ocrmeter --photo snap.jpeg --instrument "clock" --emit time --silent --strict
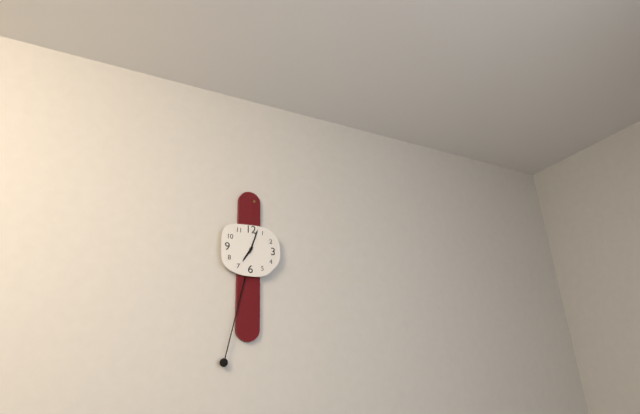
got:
7:03
